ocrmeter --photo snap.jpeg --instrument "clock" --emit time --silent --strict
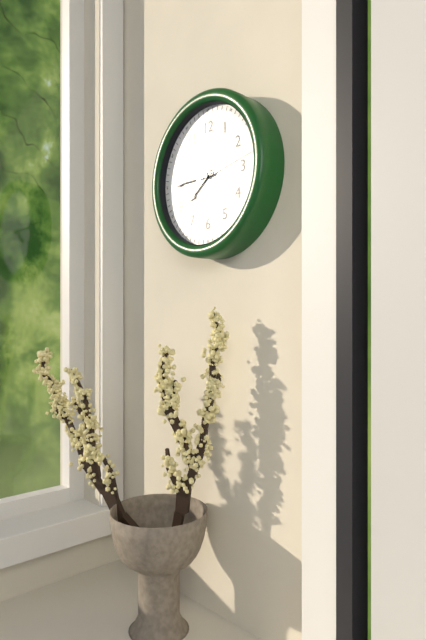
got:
7:45:13
